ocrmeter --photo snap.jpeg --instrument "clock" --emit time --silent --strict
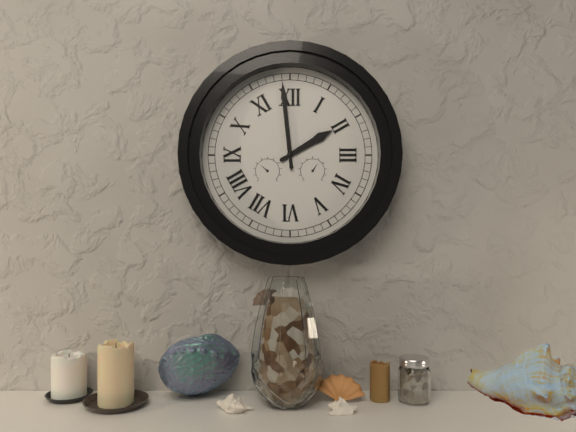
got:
1:59
